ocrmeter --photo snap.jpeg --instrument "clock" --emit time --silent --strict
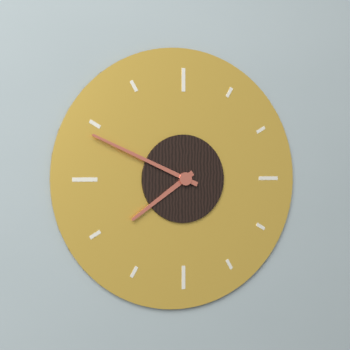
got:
7:49
